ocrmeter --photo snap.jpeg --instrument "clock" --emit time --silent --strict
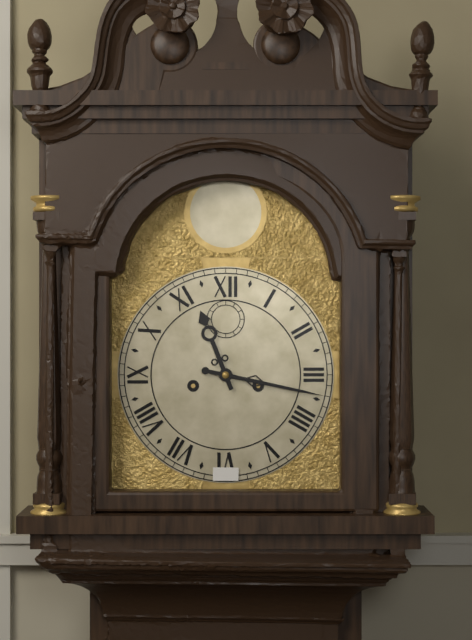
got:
11:17
